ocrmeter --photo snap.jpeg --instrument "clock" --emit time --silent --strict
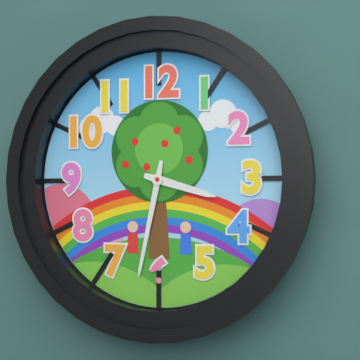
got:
3:32
